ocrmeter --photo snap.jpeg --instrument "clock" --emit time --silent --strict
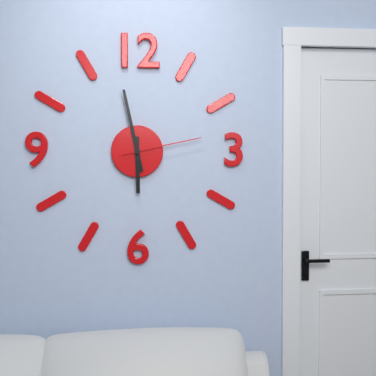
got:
5:58:13
